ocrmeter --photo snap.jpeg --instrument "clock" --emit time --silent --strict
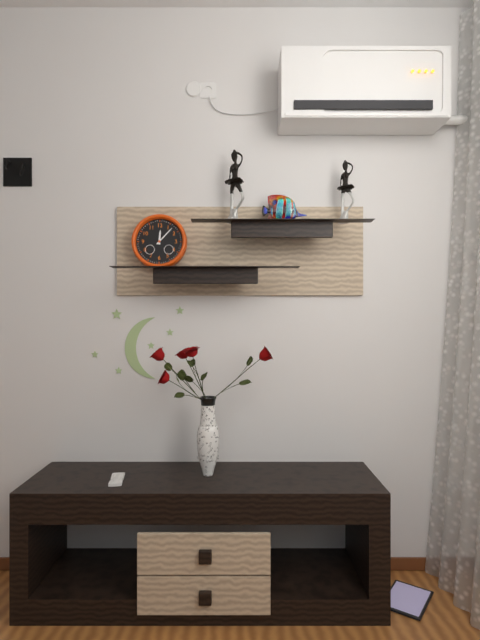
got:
12:07
